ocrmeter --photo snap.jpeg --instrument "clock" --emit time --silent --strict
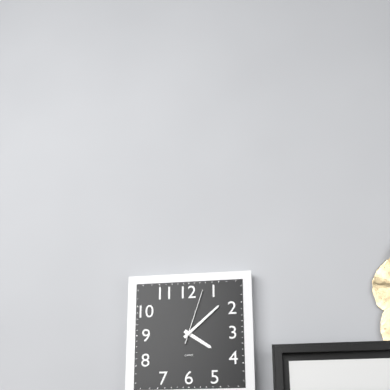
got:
4:08:03
